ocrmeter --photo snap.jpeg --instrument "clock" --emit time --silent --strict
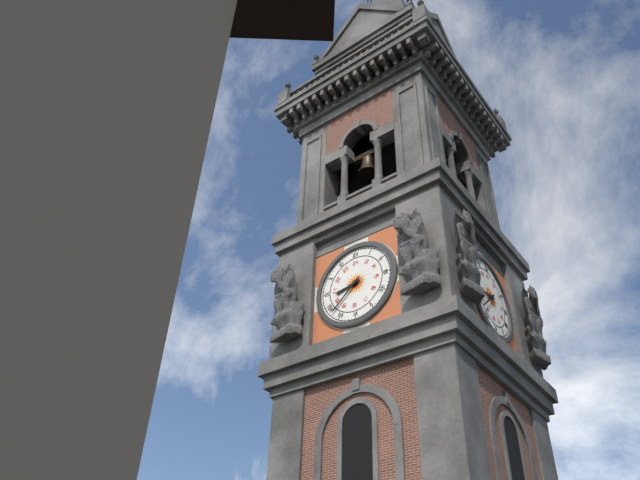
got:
8:38
